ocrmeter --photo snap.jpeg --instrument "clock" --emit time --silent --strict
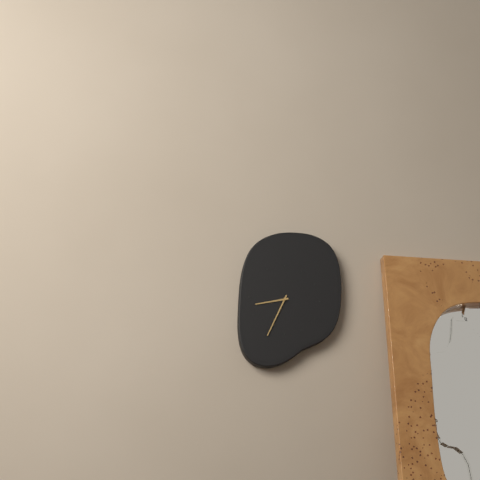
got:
8:34
